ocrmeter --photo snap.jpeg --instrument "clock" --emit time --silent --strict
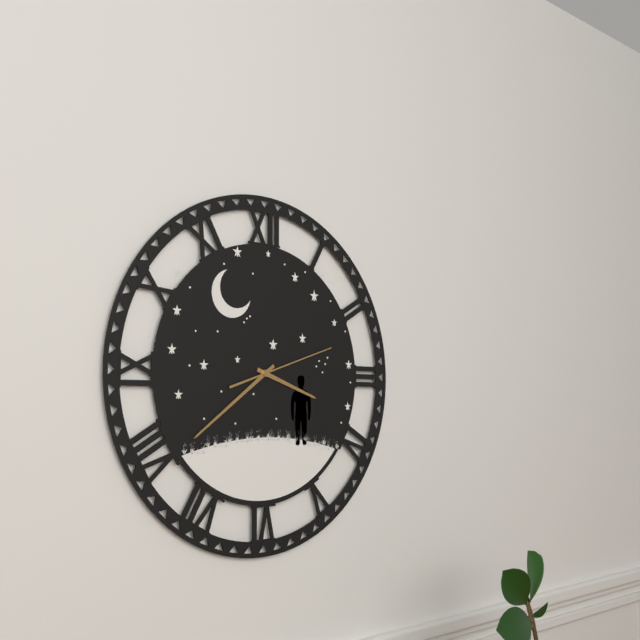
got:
3:39:12
